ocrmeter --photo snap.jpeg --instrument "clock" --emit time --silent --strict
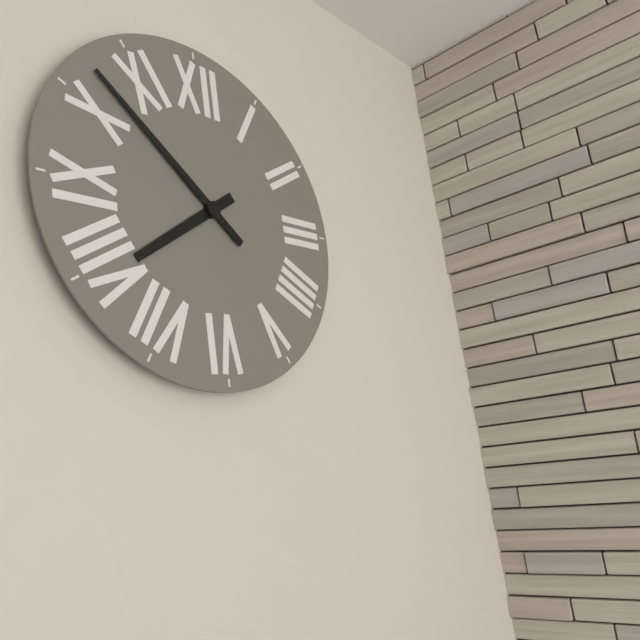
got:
7:52
